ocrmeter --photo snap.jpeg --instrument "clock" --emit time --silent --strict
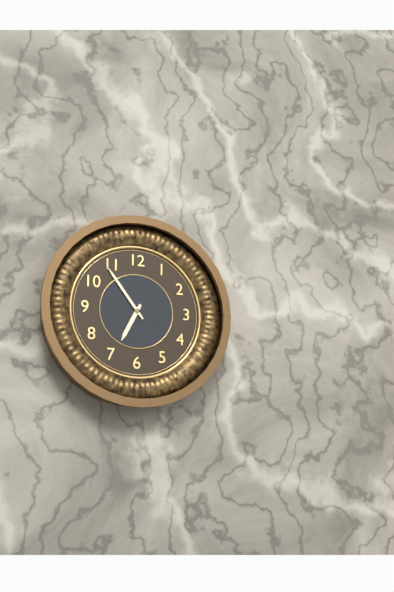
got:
6:54
